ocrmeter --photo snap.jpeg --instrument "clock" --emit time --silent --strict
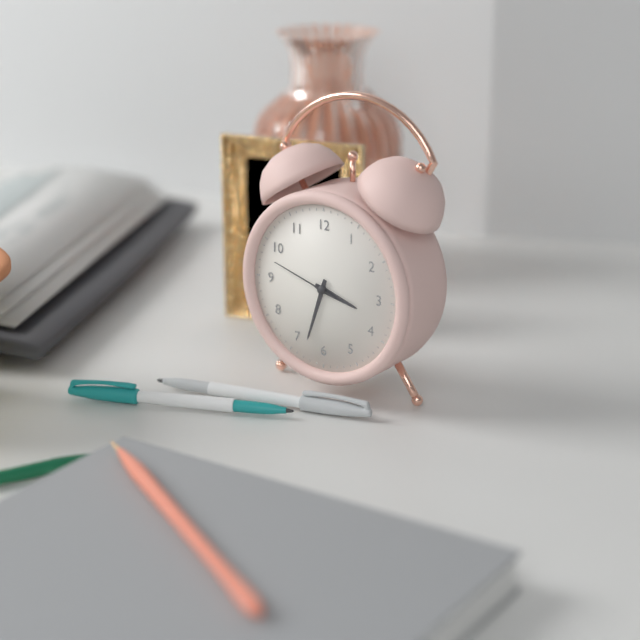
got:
3:33:48
